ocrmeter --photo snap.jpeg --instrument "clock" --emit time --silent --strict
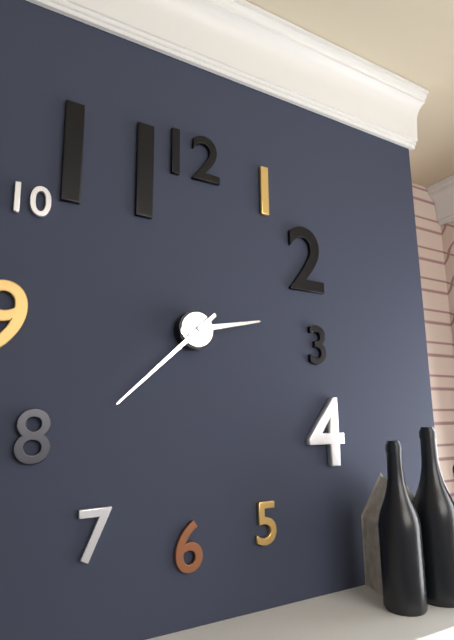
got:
2:38
